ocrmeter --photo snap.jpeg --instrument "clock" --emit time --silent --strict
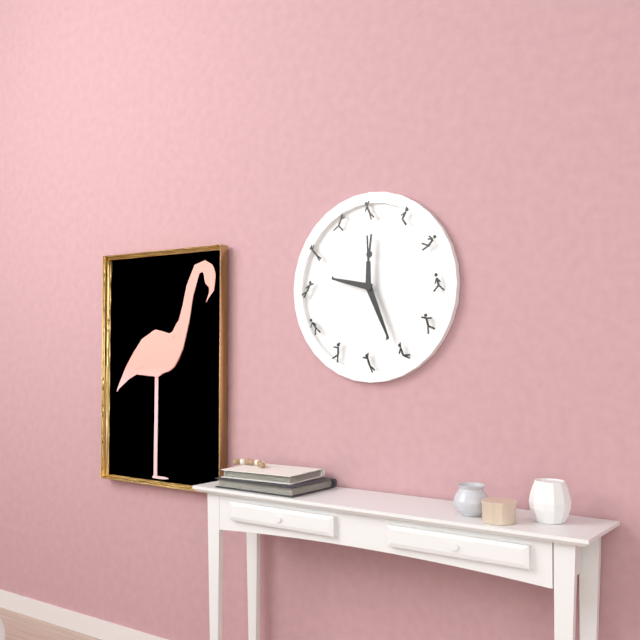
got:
9:26
